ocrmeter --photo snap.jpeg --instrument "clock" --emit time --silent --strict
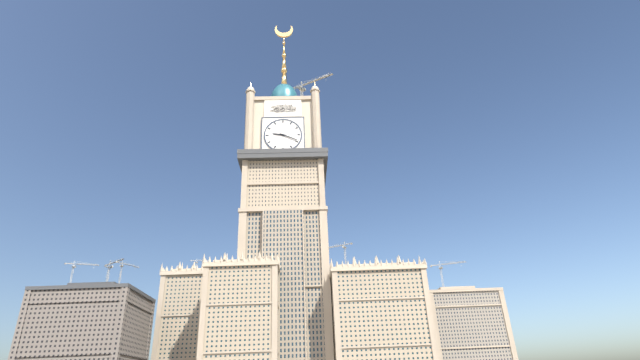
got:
9:19
